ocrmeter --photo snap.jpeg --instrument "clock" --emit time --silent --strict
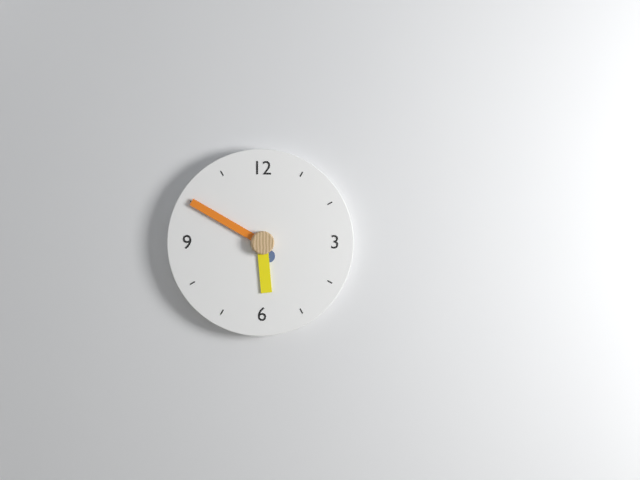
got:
5:50
